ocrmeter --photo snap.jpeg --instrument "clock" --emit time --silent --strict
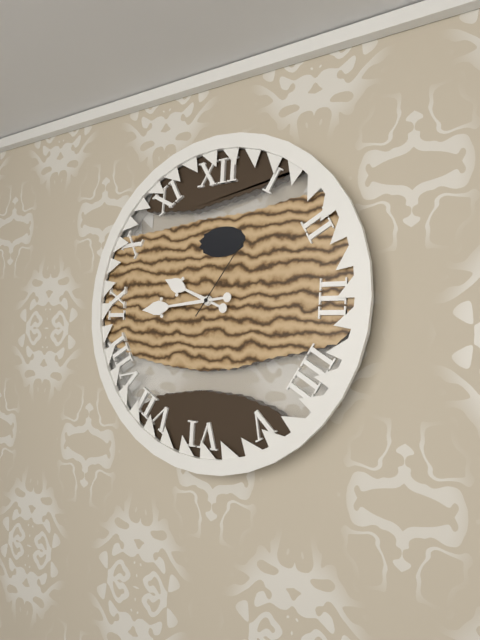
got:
9:44:06
